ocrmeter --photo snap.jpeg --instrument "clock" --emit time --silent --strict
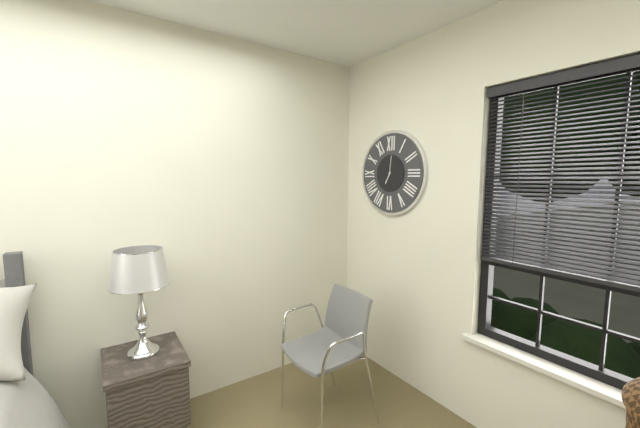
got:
7:01
